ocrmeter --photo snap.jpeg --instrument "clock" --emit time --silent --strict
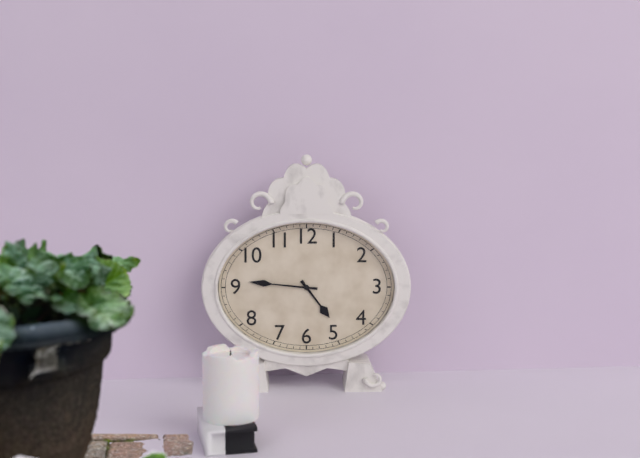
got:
4:46
